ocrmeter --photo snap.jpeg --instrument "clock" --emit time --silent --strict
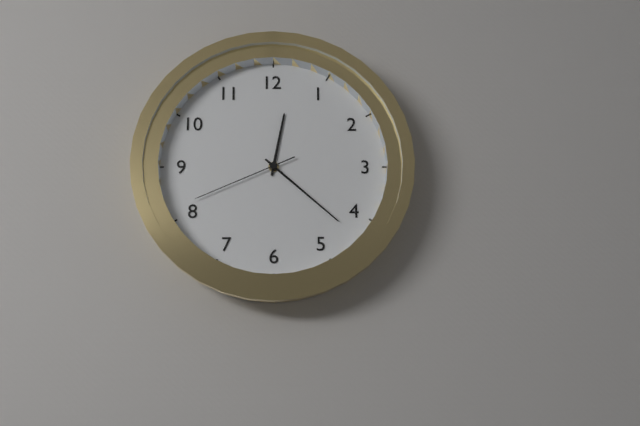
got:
12:22:41
